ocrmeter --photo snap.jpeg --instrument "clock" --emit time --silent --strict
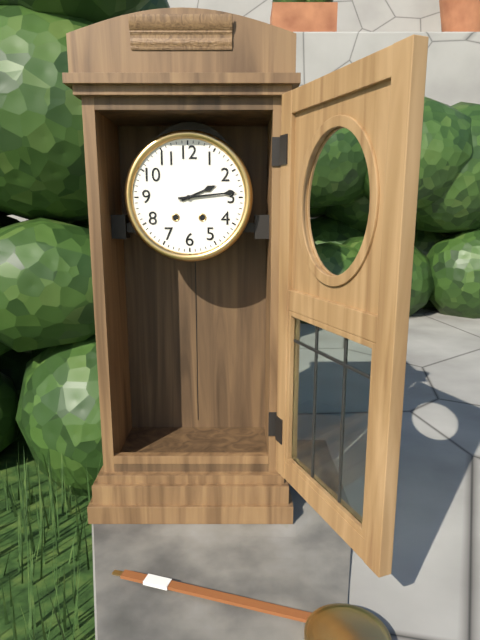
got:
2:14
